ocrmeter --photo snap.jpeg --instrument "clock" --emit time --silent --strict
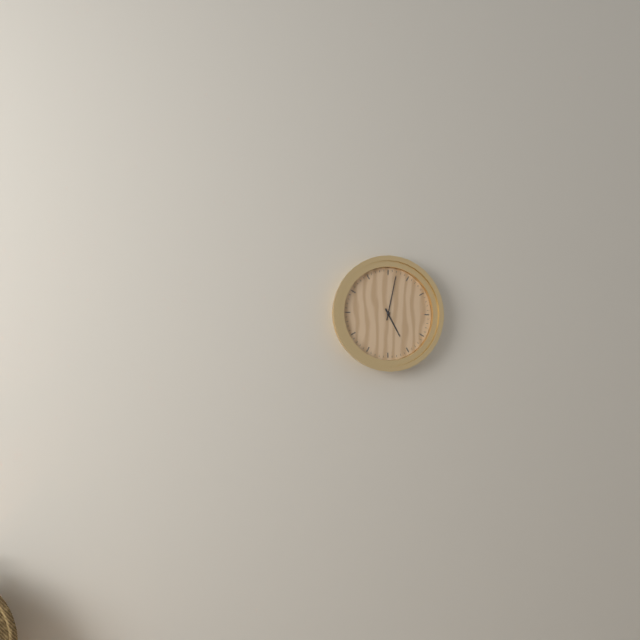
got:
5:02
